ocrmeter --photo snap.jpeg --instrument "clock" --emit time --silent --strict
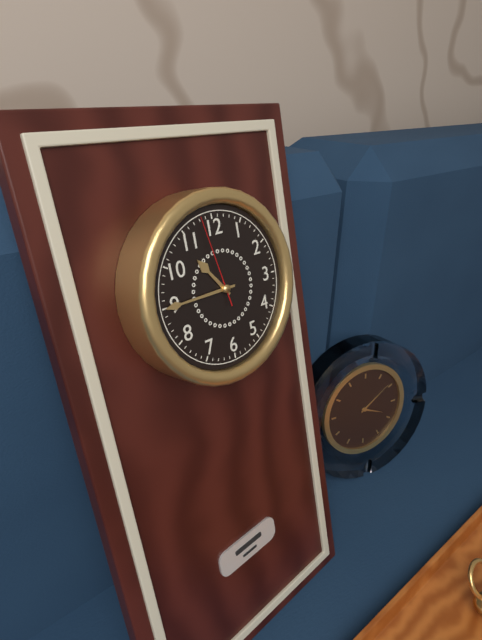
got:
10:45:58
